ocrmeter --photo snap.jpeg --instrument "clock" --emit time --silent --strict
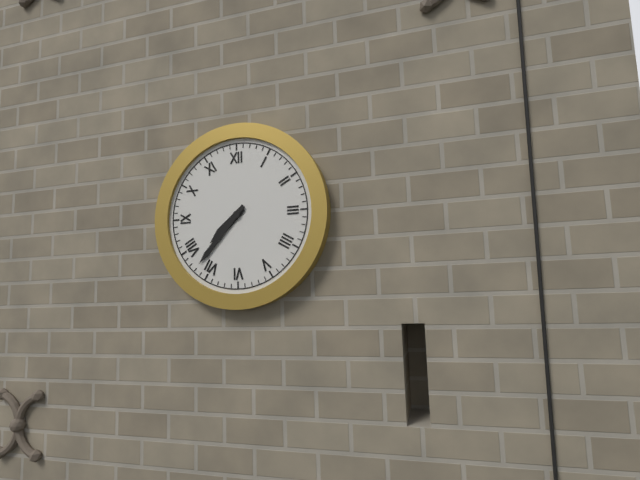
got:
7:37
